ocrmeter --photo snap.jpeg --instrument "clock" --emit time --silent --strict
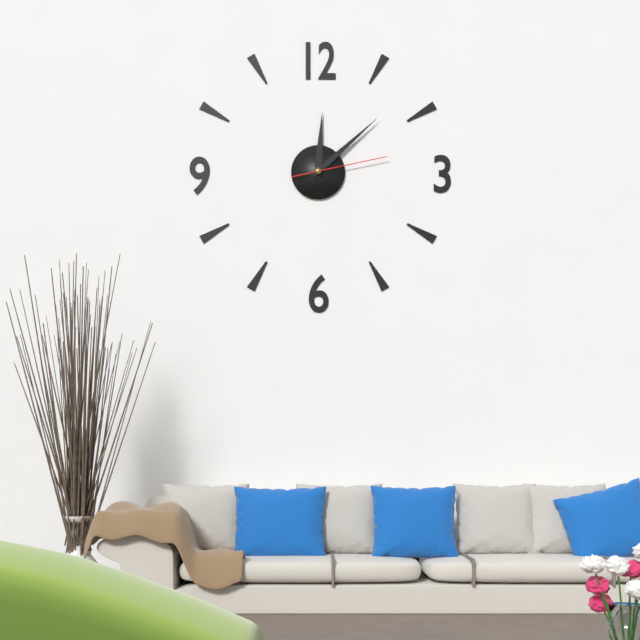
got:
12:08:13
